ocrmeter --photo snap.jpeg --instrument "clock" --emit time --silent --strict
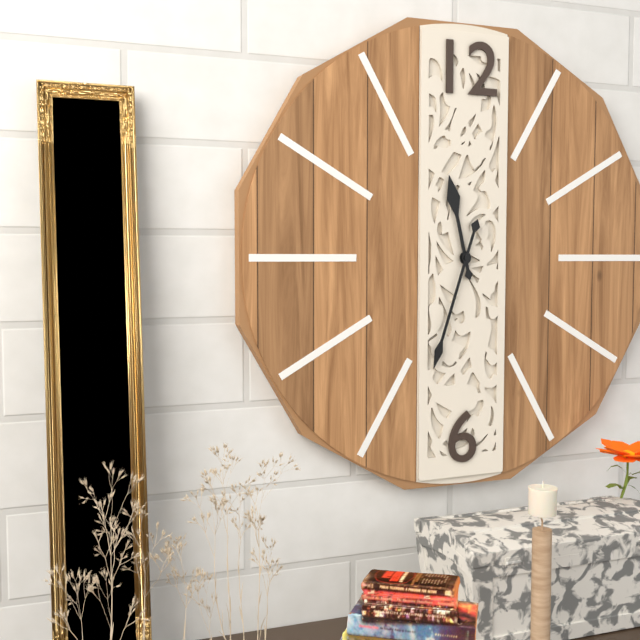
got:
11:33
